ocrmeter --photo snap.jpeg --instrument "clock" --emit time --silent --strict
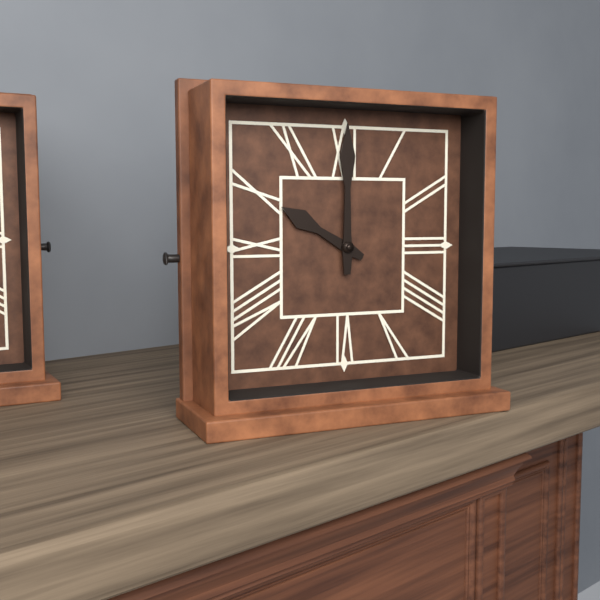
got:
10:00
